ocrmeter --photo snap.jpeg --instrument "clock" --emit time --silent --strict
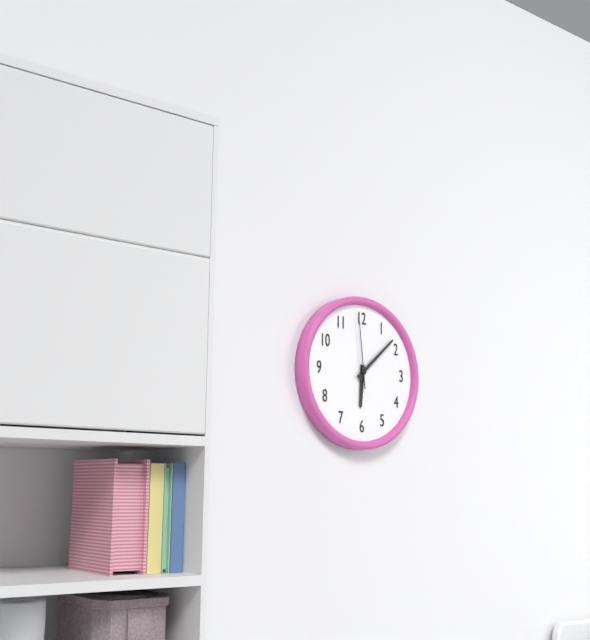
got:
6:08:59
